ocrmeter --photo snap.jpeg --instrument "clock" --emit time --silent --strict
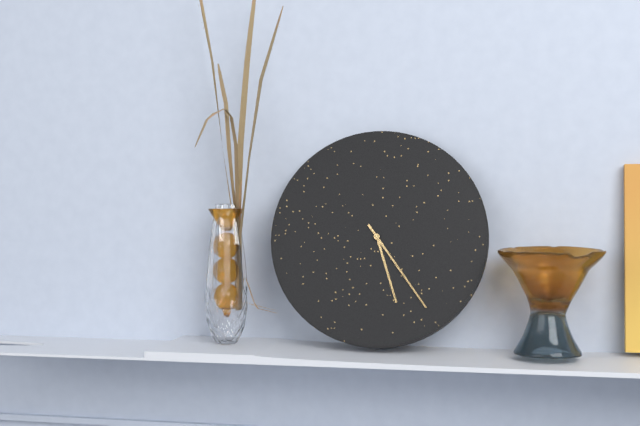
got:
5:24
